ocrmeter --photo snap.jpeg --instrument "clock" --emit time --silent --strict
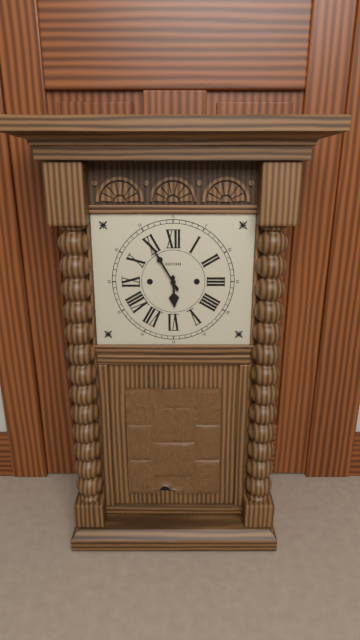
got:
5:55
